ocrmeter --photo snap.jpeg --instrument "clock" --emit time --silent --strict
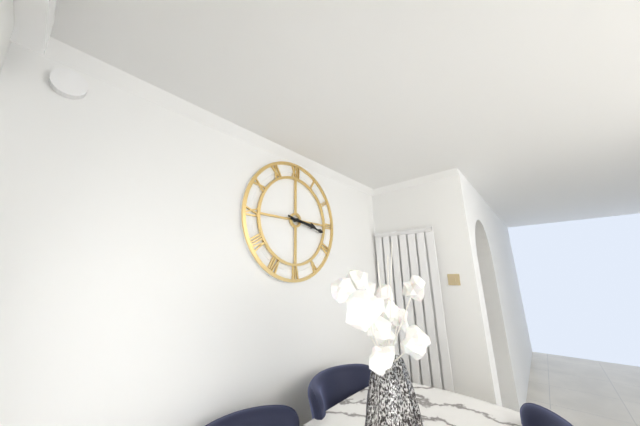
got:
3:17
